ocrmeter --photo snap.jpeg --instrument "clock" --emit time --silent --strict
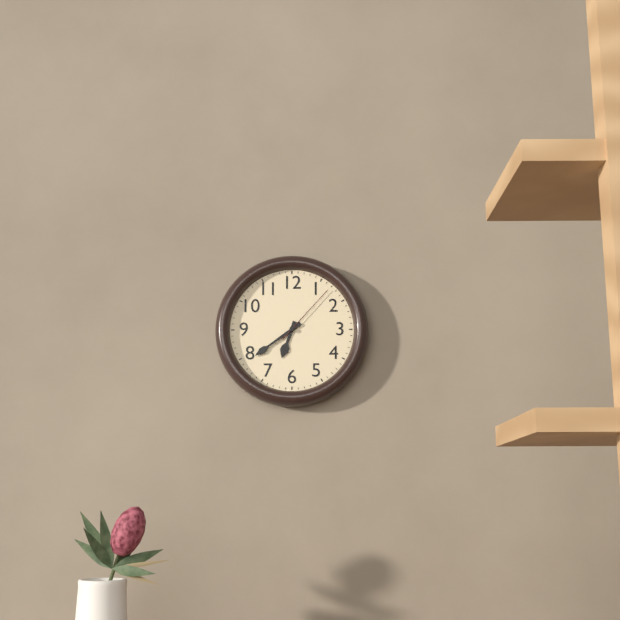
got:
6:39:07
